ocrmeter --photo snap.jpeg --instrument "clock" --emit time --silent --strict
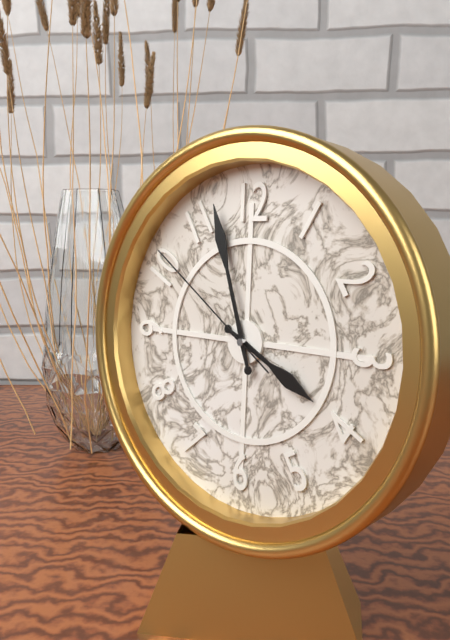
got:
3:57:51
